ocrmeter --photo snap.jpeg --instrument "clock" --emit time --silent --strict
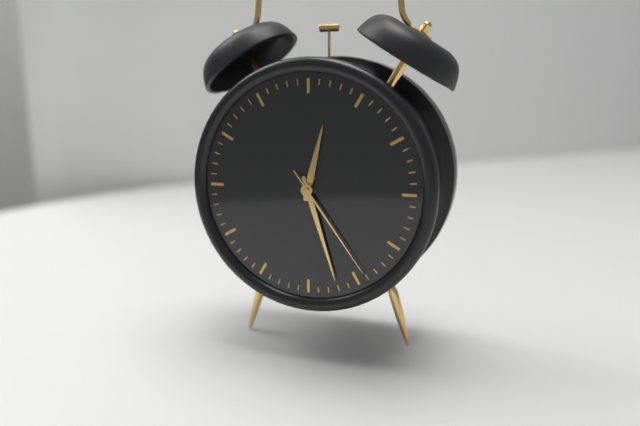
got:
12:27:24
